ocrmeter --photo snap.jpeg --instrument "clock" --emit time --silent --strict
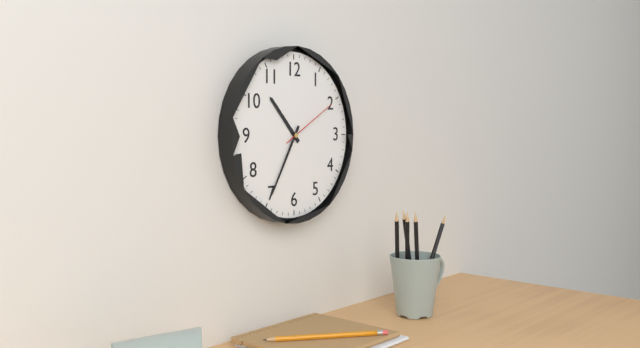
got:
10:35:10
